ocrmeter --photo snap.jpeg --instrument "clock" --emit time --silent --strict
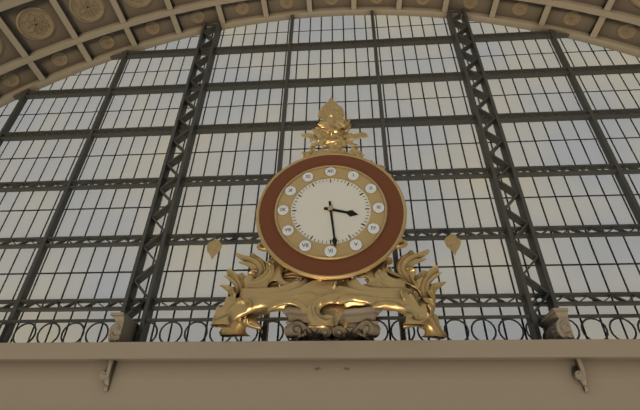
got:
3:29
